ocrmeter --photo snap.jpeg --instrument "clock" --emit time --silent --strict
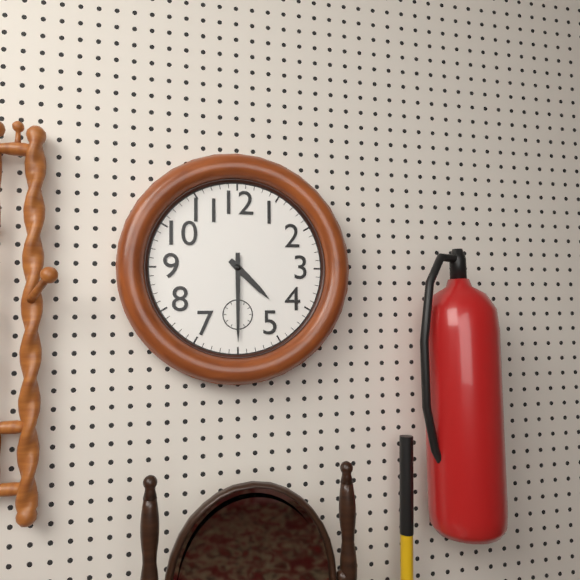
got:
4:30
